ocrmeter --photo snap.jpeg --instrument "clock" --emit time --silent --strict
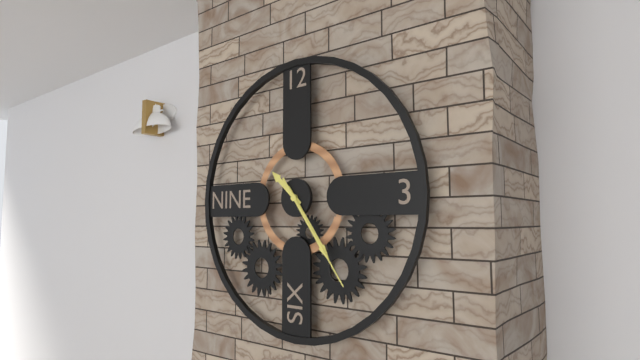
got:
10:24:24
